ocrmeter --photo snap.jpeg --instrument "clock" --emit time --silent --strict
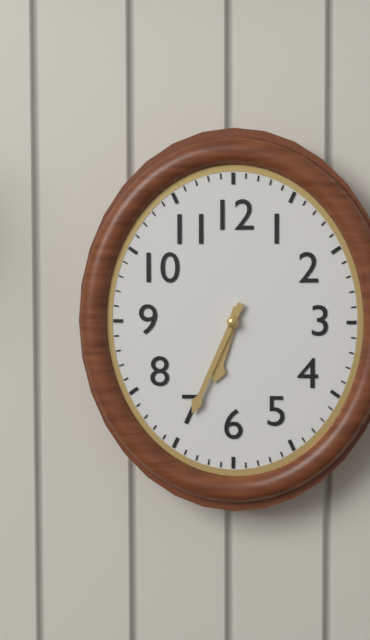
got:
6:34
